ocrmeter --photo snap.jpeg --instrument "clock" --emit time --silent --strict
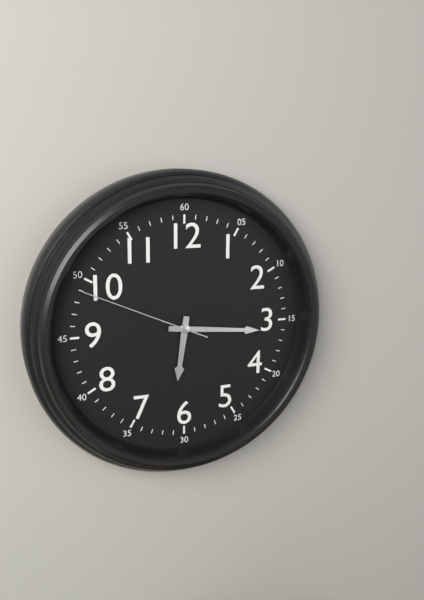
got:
6:16:49
